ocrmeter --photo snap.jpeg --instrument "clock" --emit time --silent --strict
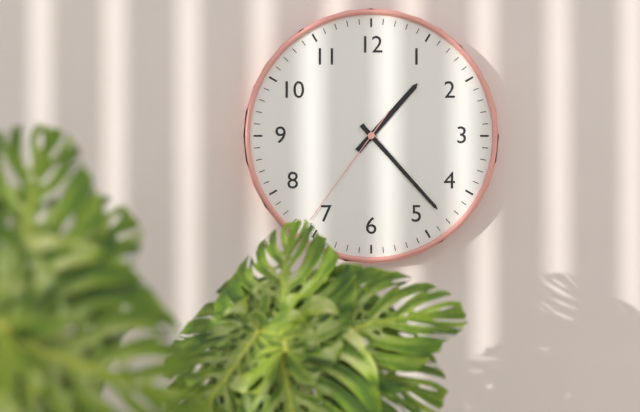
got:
1:23:36
